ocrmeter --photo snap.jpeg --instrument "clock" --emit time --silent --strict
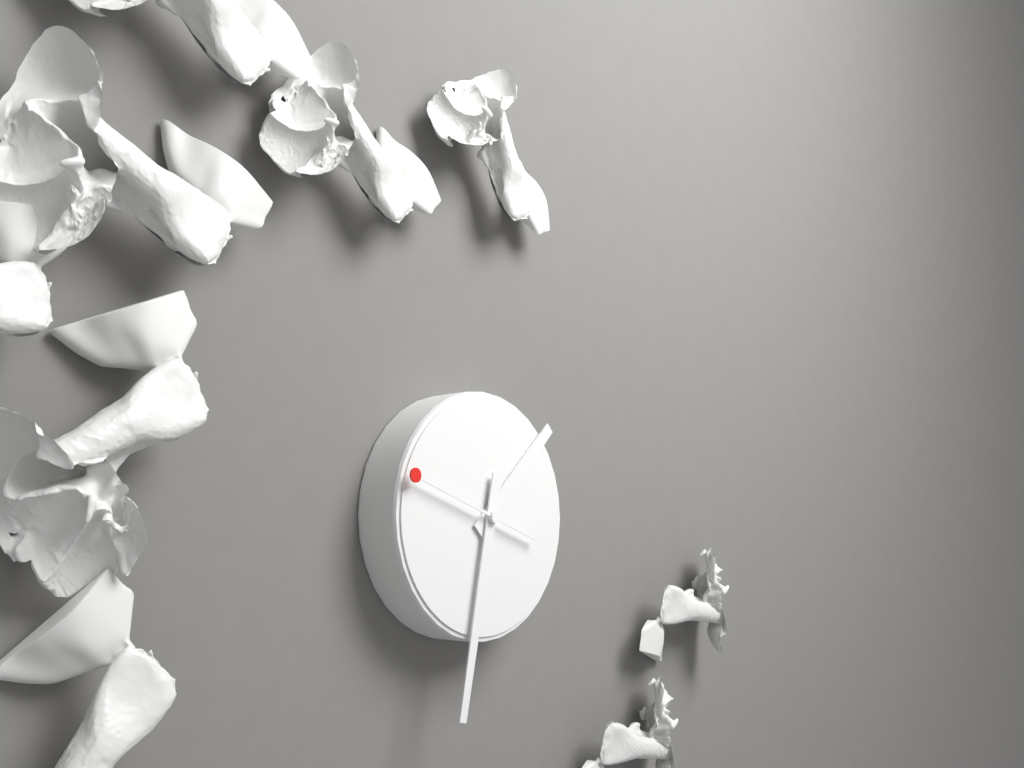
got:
1:32:48
